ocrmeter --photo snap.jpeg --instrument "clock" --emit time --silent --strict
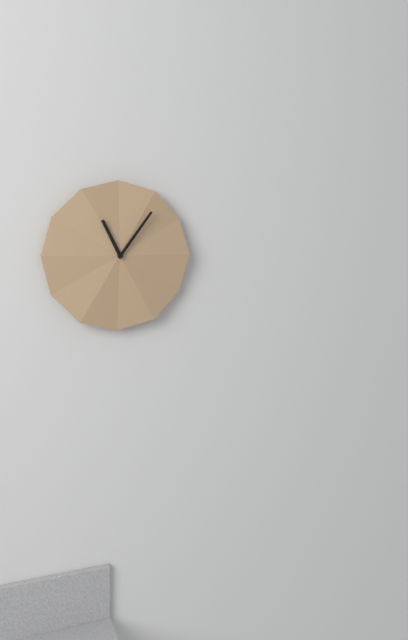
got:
11:06
